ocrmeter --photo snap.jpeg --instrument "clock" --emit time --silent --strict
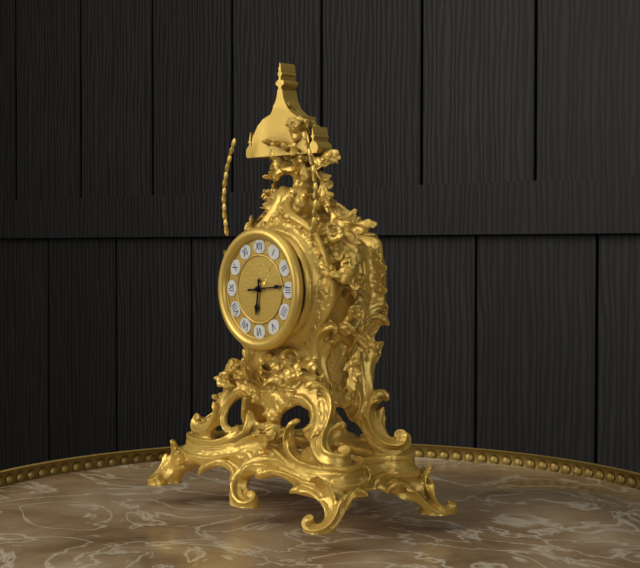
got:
6:14
